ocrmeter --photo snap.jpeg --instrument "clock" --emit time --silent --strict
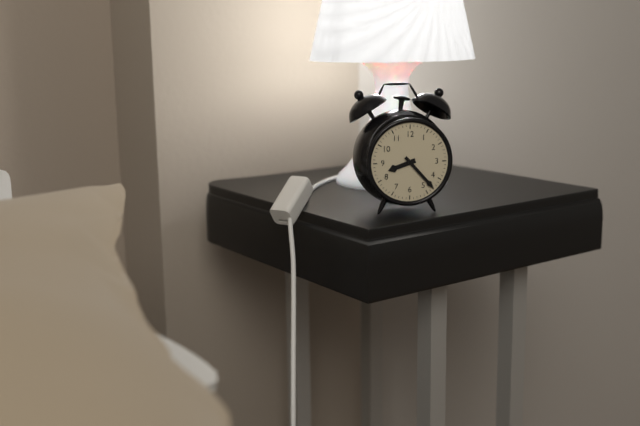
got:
8:23
